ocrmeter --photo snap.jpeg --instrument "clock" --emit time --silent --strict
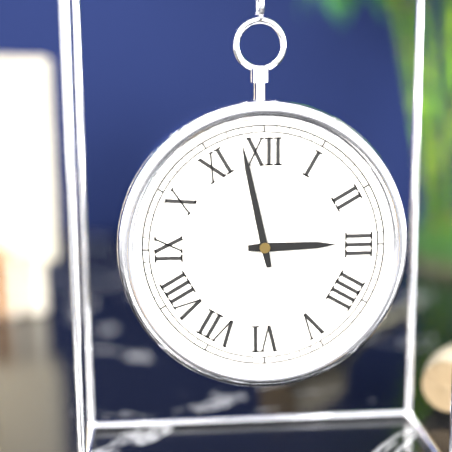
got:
2:58
